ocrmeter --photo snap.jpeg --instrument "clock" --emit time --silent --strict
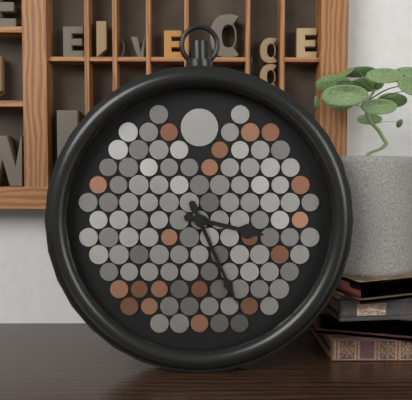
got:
3:26
